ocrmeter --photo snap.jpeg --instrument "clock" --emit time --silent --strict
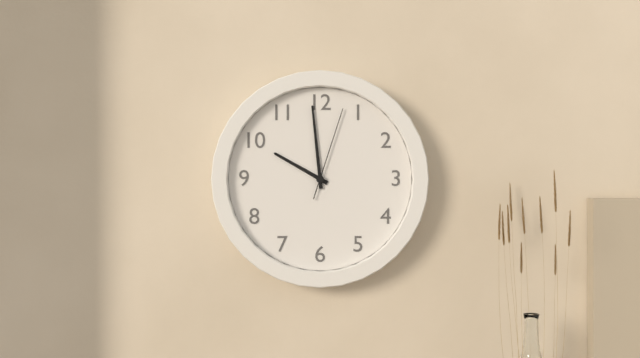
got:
9:59:03
